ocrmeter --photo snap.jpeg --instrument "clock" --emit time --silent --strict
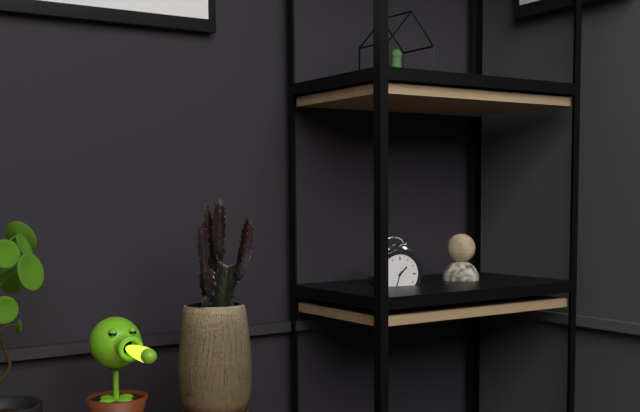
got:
1:33
